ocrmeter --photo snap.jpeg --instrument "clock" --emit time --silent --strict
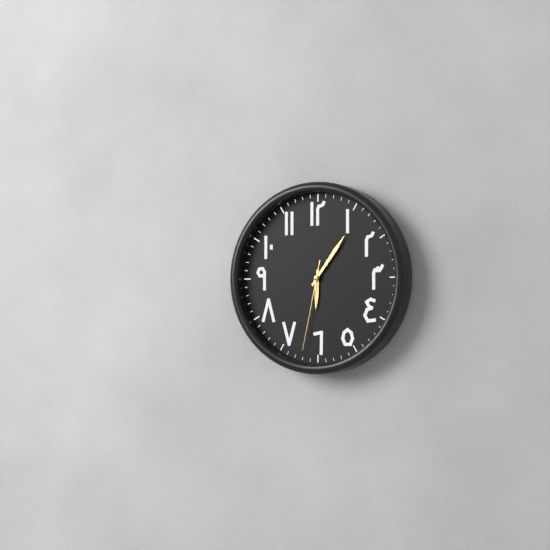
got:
6:06:32
